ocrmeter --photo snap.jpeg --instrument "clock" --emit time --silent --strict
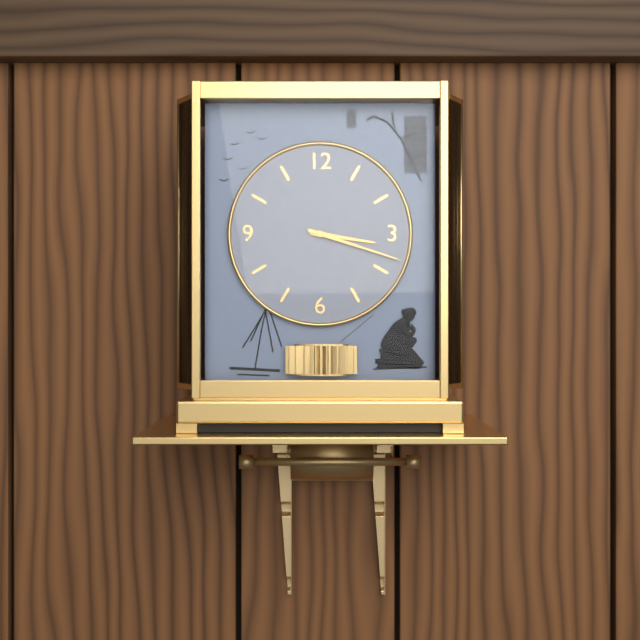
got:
3:18
